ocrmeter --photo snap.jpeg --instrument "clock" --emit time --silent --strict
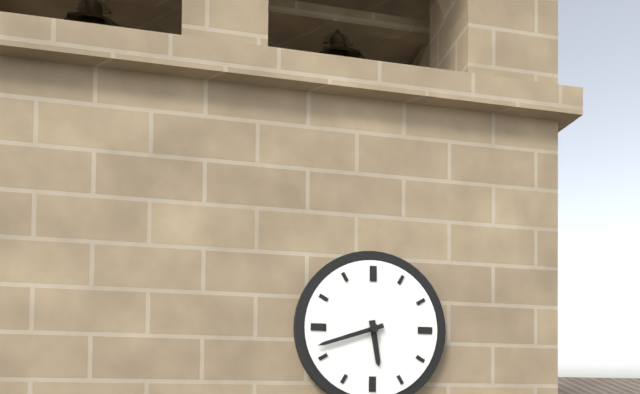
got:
5:42
